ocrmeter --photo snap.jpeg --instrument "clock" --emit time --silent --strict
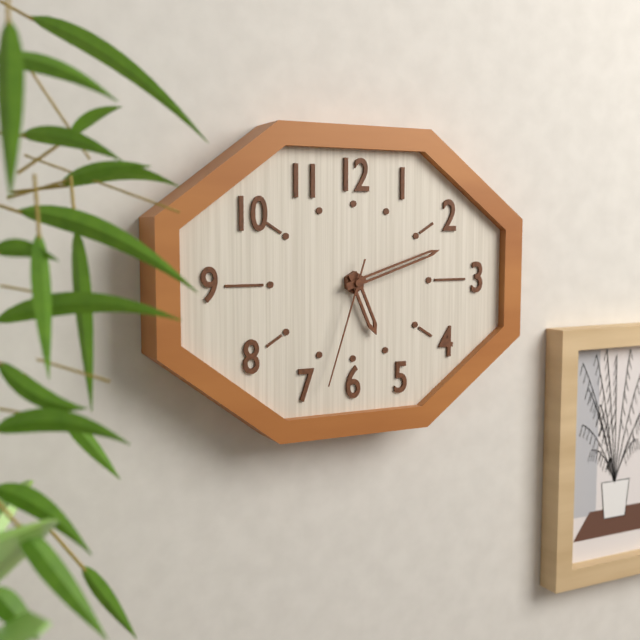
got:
5:12:33
